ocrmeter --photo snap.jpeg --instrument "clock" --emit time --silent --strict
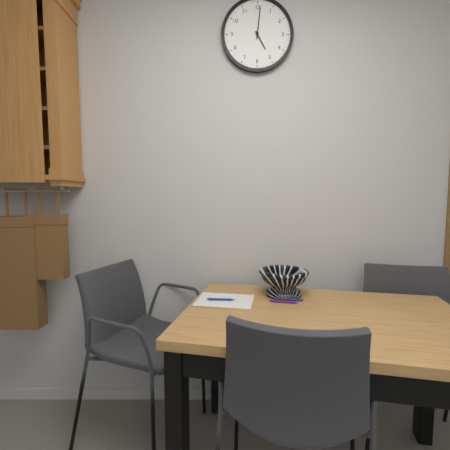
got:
5:01
